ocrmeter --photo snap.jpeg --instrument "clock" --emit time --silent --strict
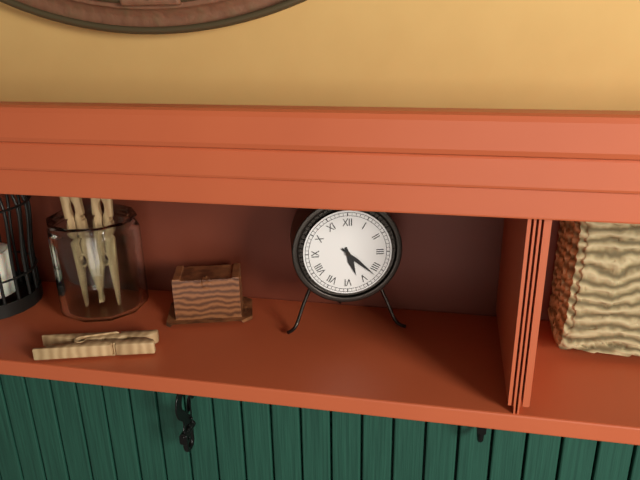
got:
5:22
